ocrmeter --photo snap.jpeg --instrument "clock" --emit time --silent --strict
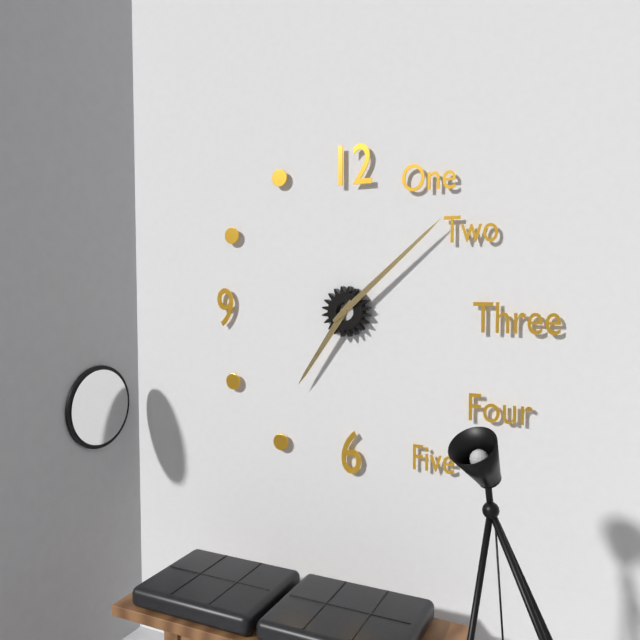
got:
7:08
